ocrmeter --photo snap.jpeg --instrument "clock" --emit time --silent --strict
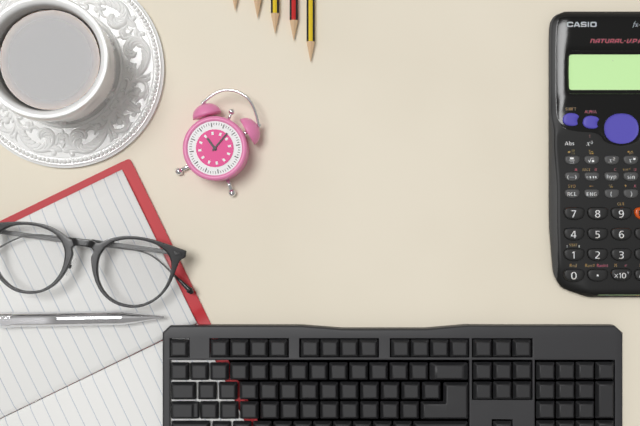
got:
10:03
